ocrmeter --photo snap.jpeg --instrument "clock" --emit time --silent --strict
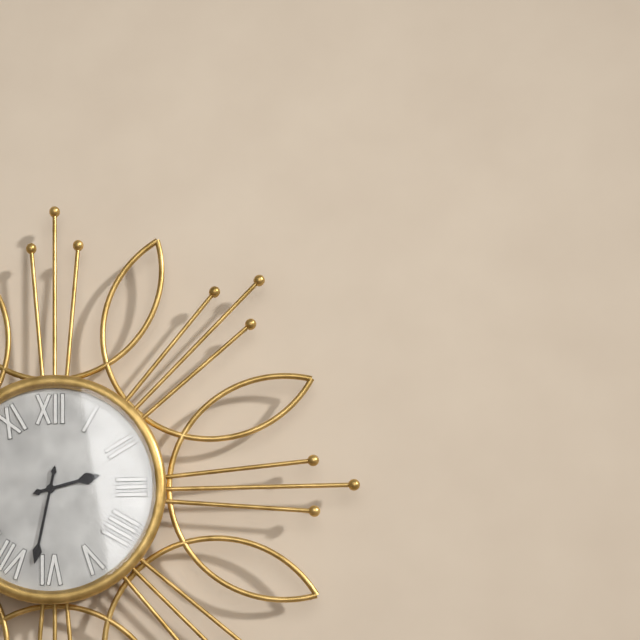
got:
2:32
